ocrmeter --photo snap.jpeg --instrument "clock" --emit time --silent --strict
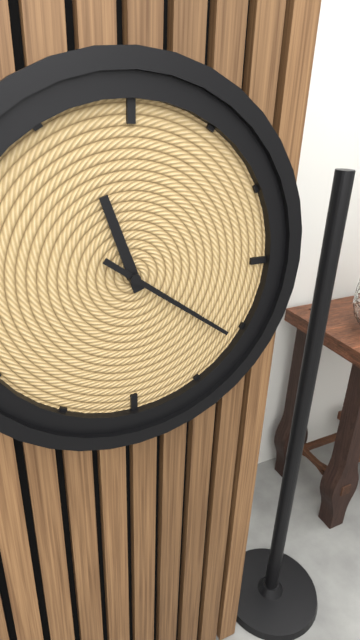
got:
11:21
